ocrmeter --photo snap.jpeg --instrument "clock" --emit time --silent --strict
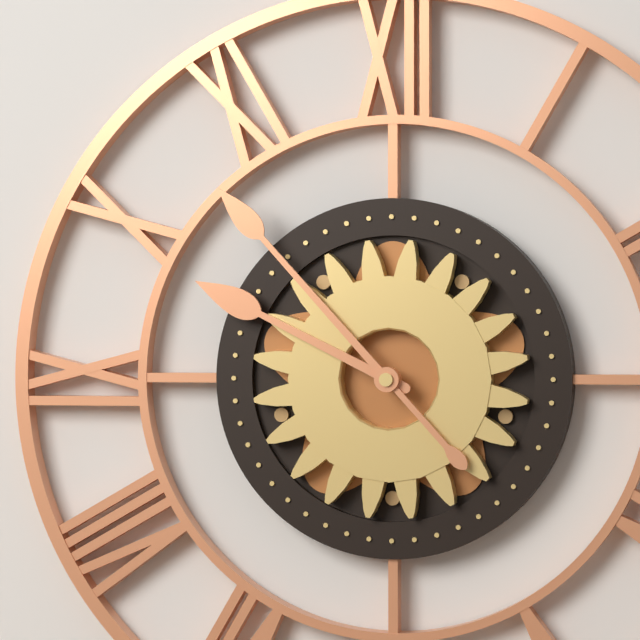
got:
9:53
